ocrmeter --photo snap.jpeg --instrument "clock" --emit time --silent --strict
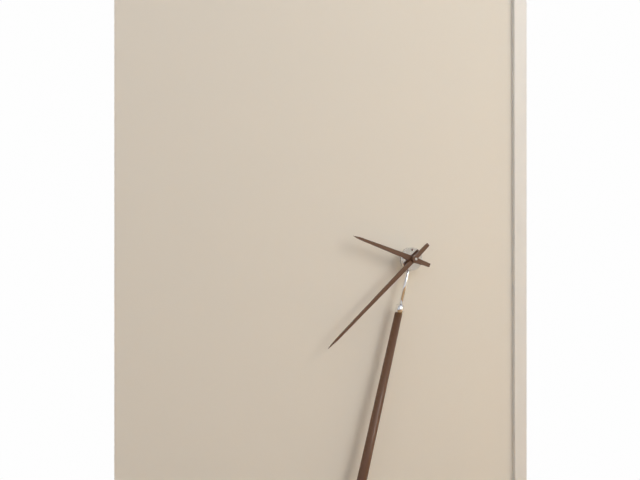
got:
9:38
